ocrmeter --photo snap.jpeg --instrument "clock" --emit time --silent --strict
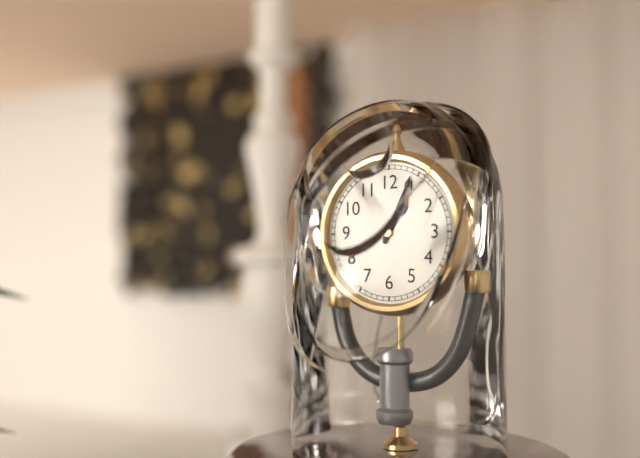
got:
1:04
